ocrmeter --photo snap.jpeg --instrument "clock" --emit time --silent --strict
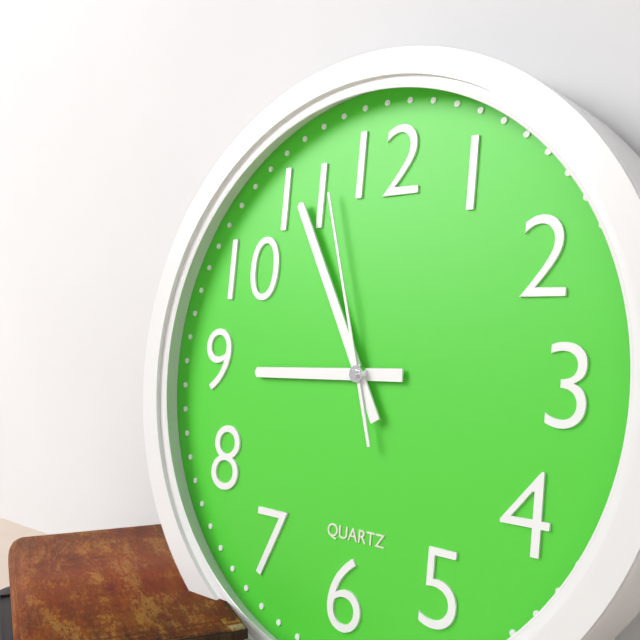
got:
8:55:57
